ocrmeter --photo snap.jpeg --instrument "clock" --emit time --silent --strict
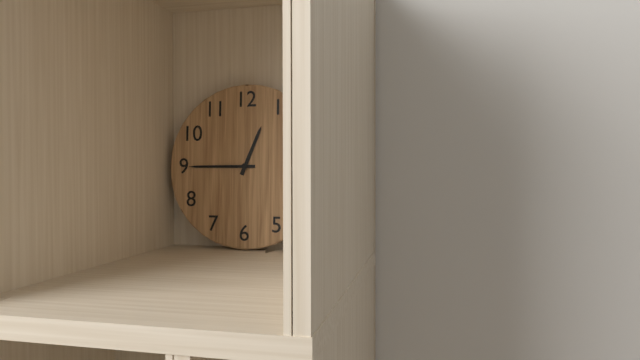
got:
12:45
